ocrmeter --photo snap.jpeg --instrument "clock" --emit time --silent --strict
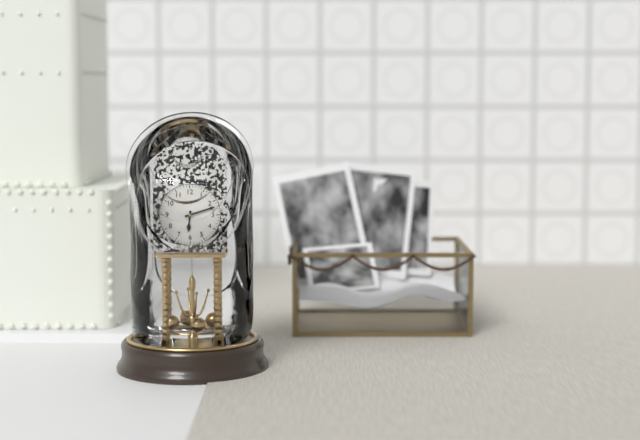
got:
6:12
